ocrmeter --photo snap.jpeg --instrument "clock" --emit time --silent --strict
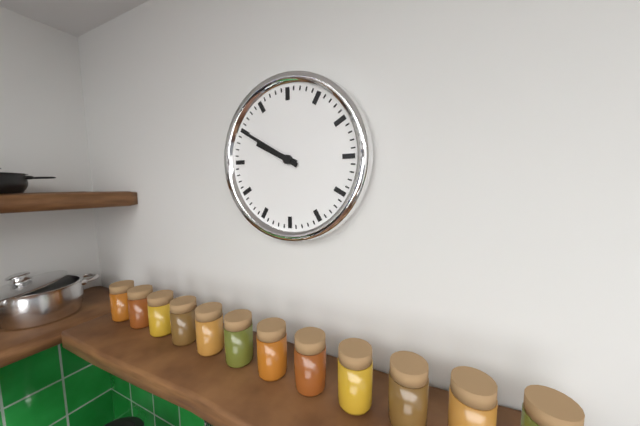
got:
9:50
